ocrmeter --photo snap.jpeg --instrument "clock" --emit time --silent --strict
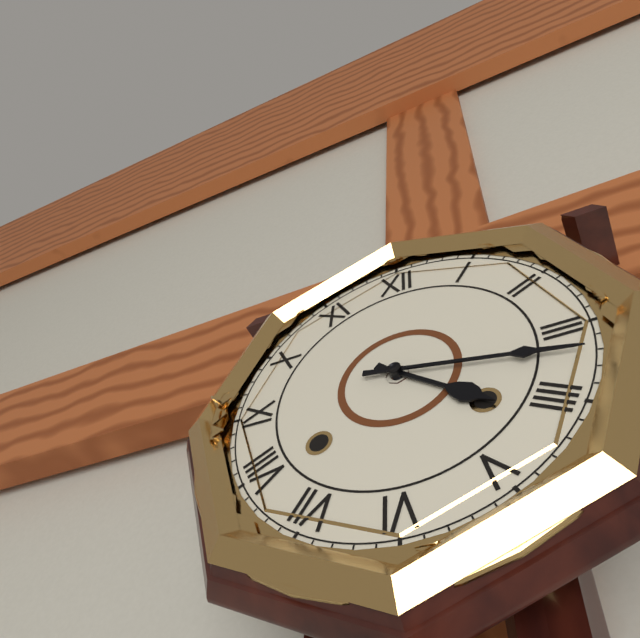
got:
4:17
